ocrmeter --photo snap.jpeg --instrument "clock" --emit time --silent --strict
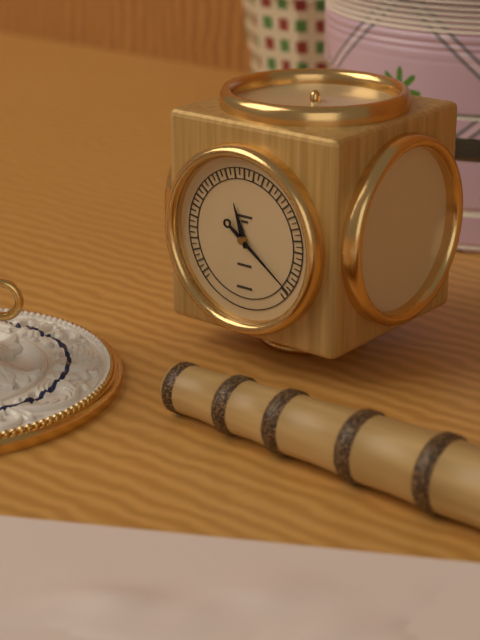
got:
11:21
